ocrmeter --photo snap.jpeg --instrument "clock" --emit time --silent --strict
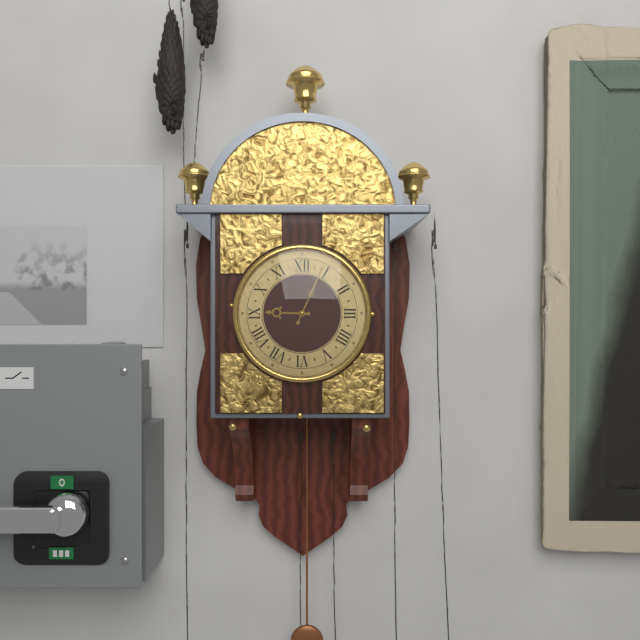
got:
9:04
